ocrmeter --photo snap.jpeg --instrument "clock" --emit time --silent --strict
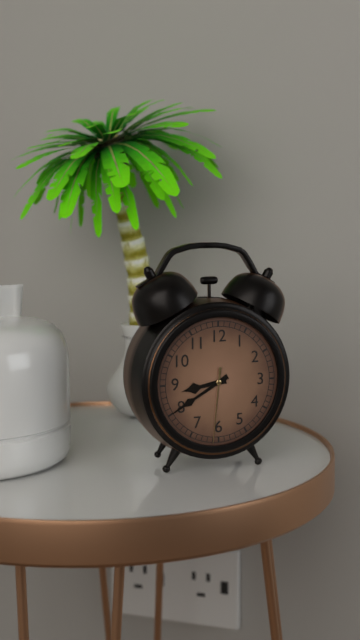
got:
8:40:31
